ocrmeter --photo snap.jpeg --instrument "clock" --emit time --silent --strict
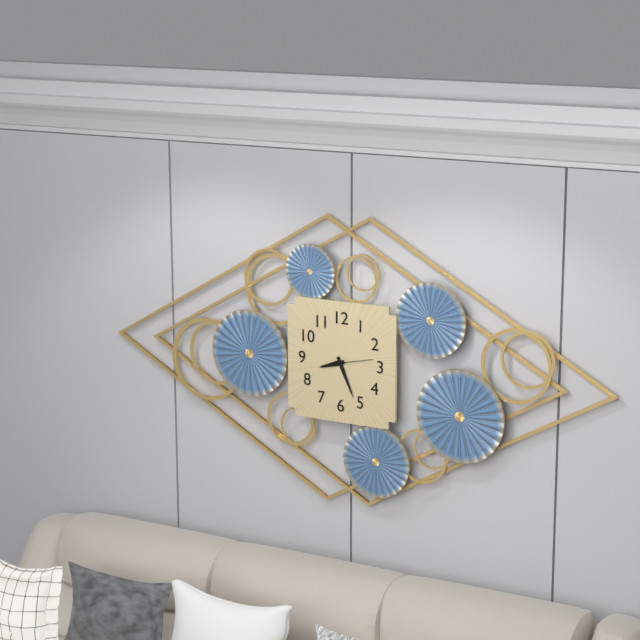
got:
8:26
